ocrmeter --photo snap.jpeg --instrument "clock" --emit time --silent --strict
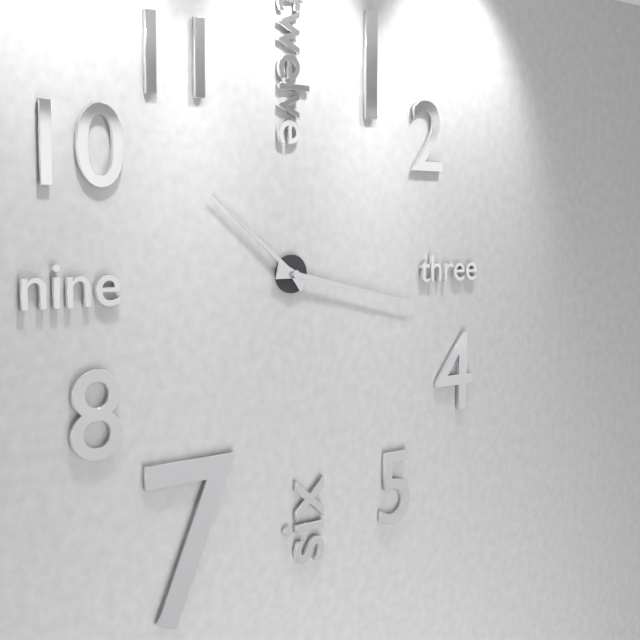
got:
10:17
